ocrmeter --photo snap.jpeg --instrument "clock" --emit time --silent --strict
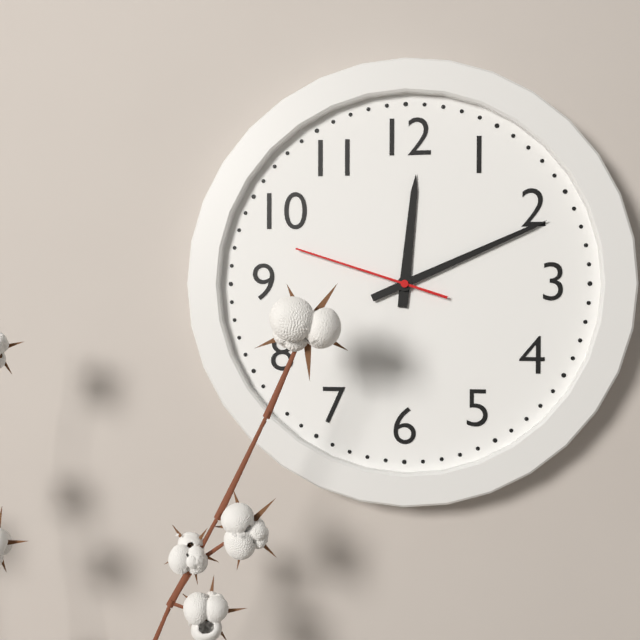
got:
12:11:48
